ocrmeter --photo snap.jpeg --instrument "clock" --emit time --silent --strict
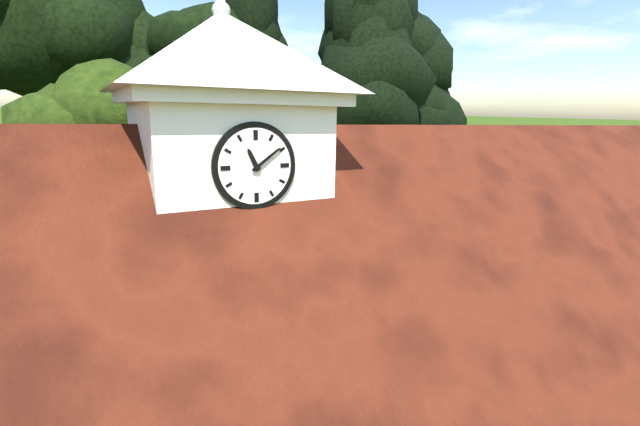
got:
11:09
